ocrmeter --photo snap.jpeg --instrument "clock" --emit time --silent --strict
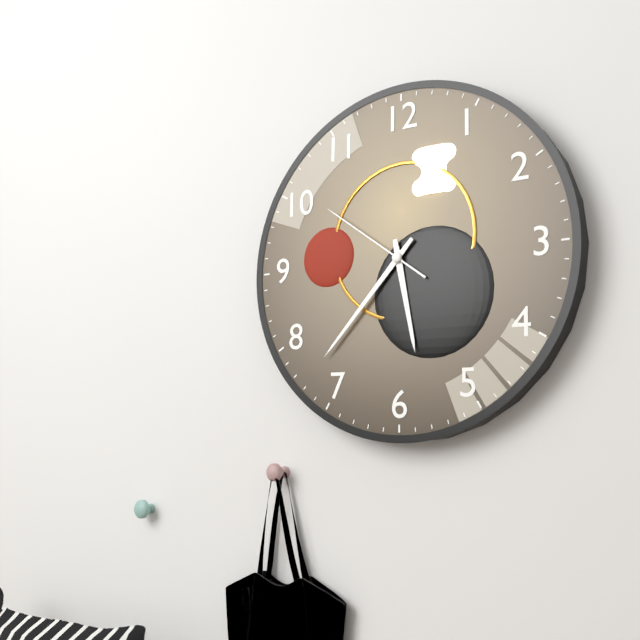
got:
5:37:51
